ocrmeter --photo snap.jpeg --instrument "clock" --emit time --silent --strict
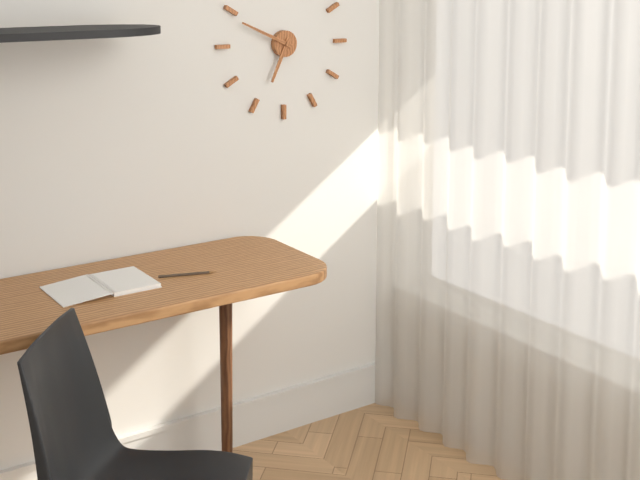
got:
6:49
